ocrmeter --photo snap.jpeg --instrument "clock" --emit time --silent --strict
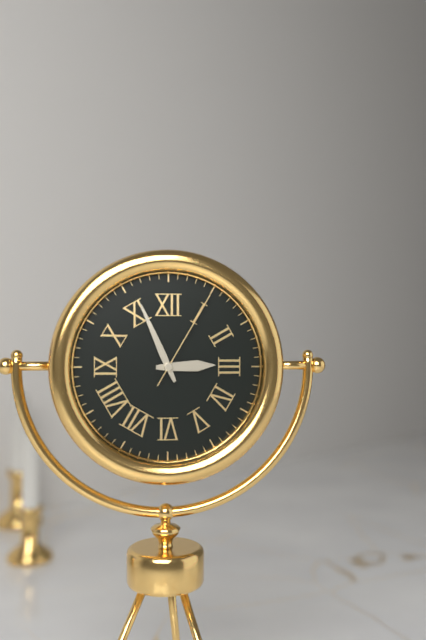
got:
2:56:05
